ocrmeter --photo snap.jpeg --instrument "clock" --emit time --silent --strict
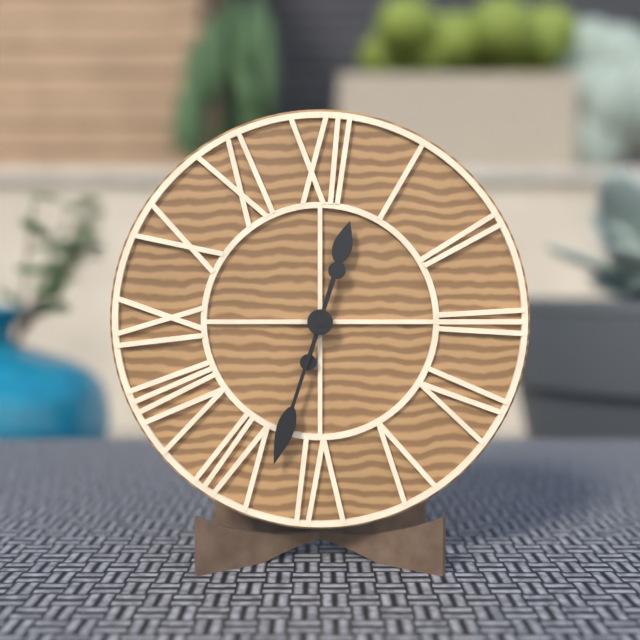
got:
12:33
